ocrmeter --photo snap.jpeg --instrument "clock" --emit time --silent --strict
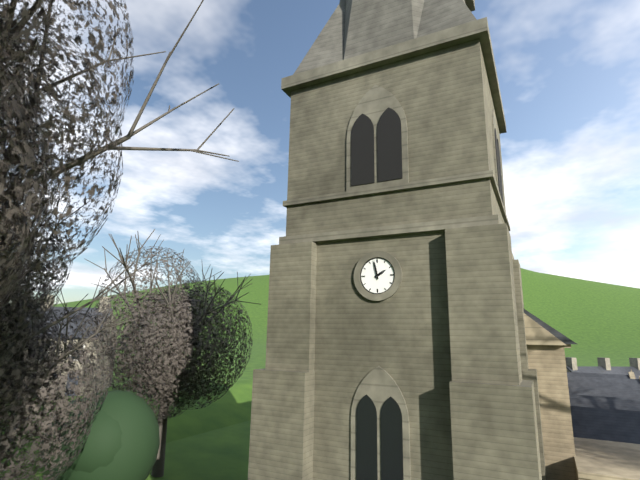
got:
1:58
